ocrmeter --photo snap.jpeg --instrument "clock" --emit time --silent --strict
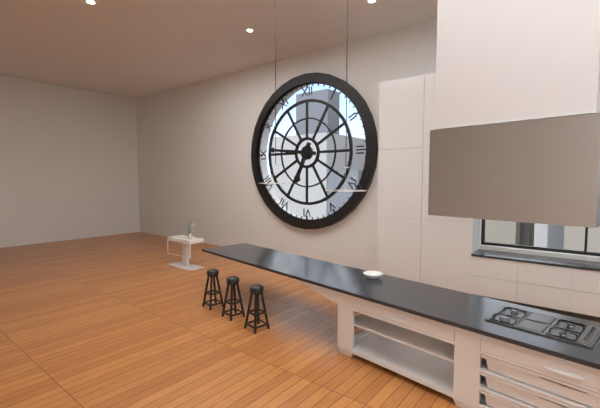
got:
6:46
